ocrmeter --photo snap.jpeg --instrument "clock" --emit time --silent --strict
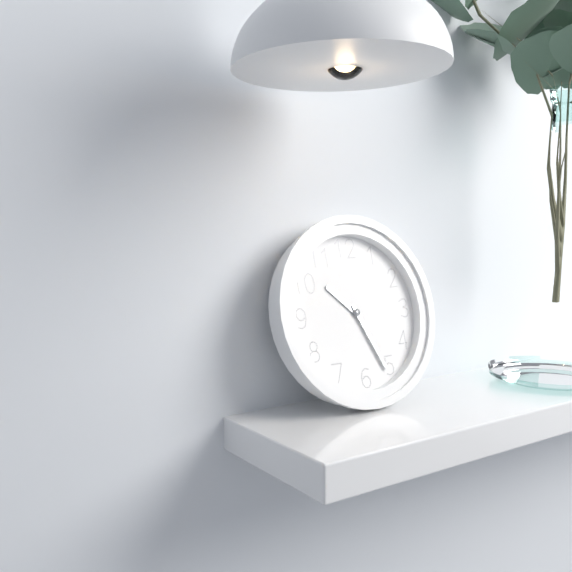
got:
10:26
